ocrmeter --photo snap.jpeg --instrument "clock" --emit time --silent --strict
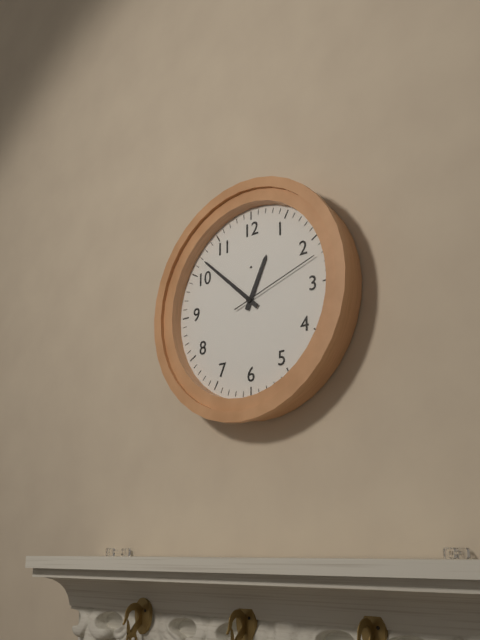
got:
12:52:12
